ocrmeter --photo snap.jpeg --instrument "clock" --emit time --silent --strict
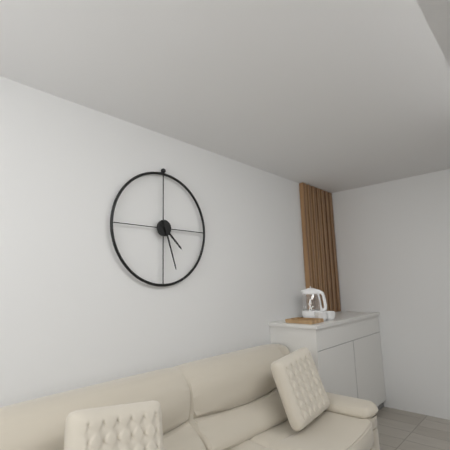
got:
4:27
